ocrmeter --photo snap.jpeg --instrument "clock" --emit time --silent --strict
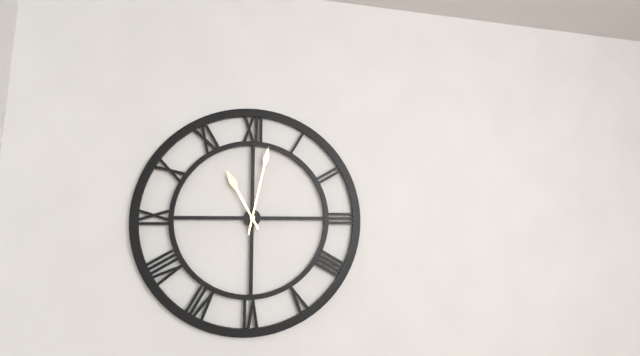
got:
11:02
